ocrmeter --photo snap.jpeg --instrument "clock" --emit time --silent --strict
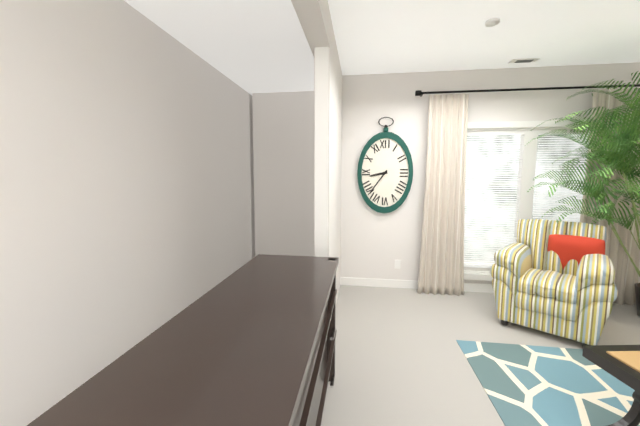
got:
8:36
